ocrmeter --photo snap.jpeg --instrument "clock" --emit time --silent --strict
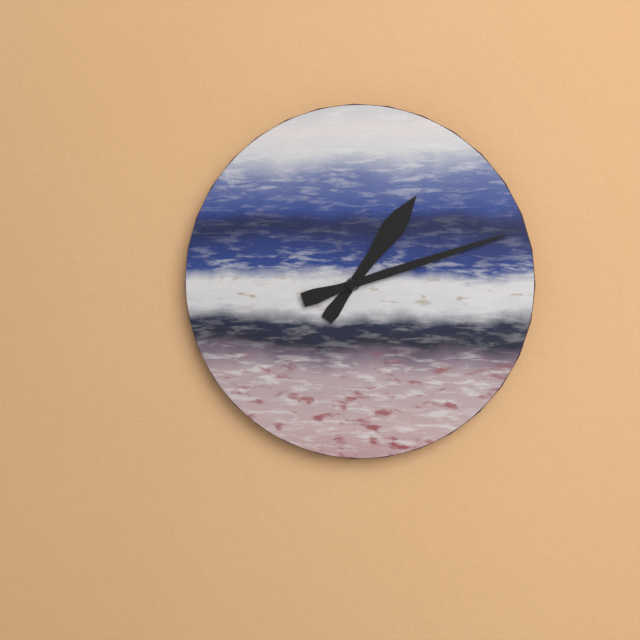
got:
1:12
